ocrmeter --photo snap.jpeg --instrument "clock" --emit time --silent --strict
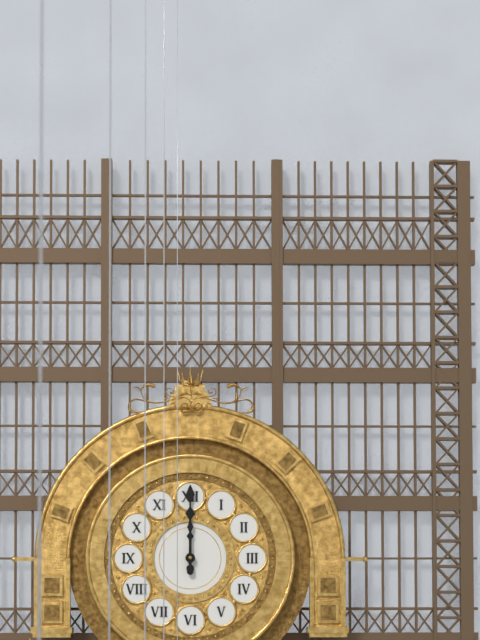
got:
12:00
